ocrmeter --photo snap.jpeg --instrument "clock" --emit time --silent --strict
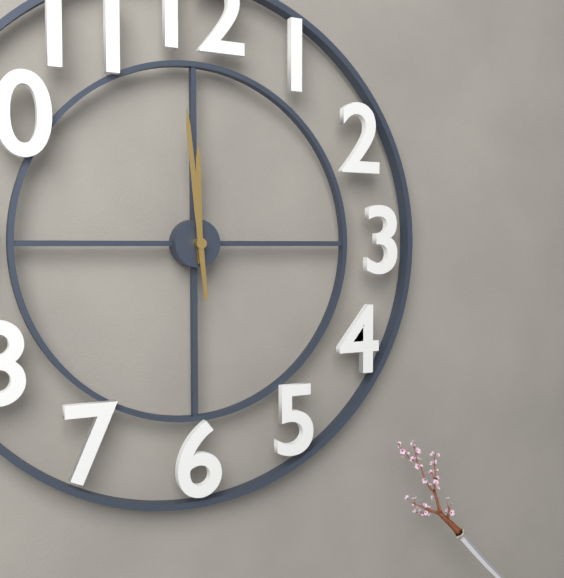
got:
11:59
